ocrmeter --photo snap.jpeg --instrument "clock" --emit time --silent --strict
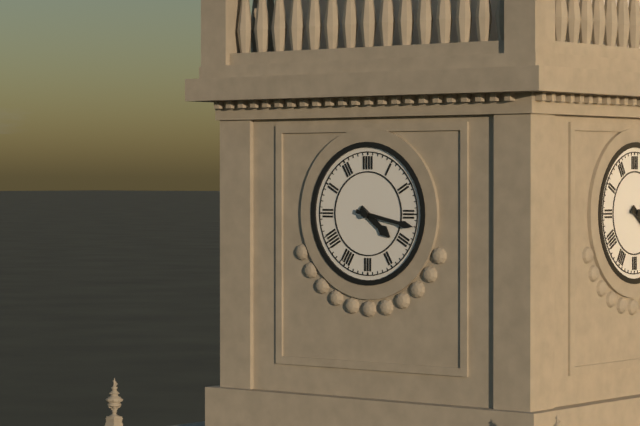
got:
4:17
